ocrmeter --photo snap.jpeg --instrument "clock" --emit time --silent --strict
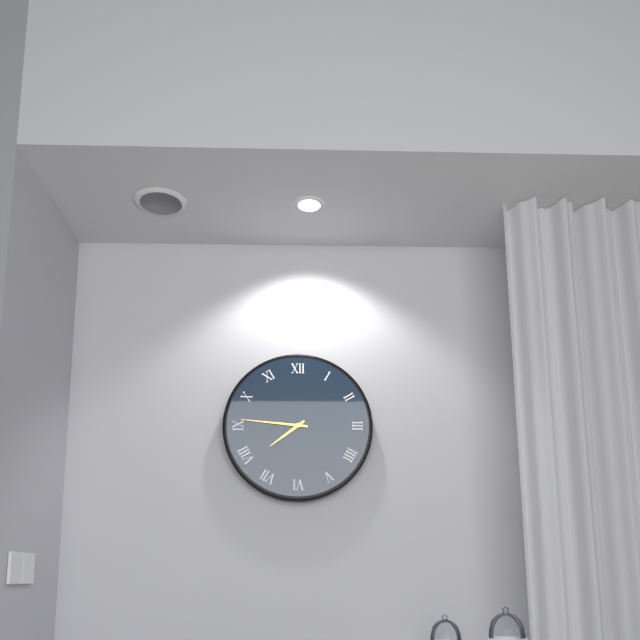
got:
7:46
